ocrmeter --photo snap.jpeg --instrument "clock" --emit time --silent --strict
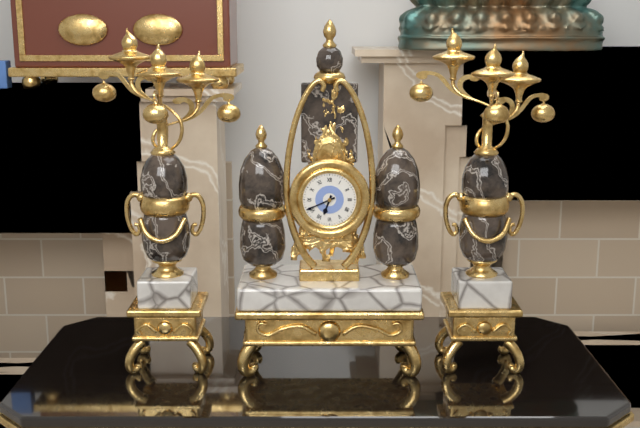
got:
6:41
